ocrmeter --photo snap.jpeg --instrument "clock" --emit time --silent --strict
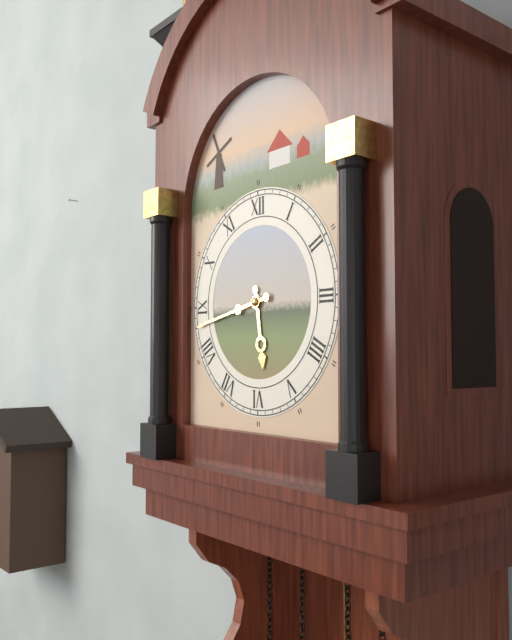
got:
5:43
